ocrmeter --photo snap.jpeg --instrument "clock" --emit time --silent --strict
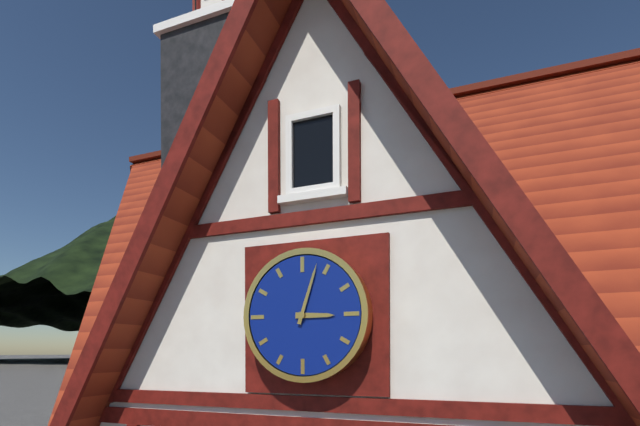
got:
3:03
